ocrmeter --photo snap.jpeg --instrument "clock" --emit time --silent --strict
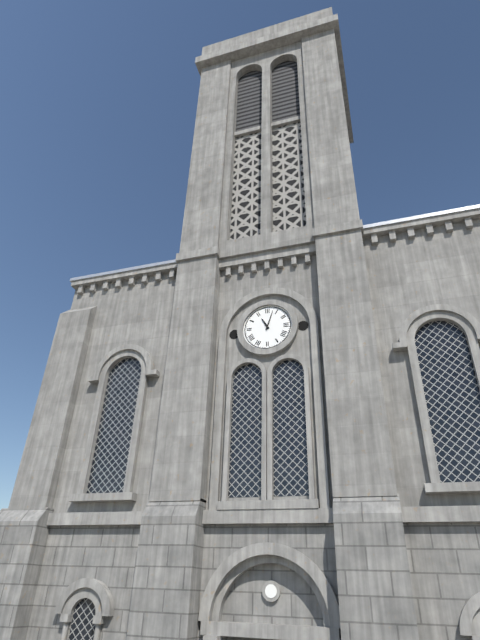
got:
11:03
